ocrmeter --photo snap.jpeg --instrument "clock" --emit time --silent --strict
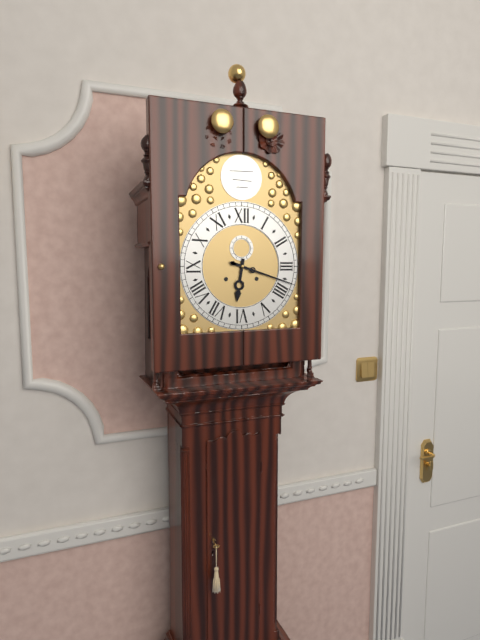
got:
6:18
